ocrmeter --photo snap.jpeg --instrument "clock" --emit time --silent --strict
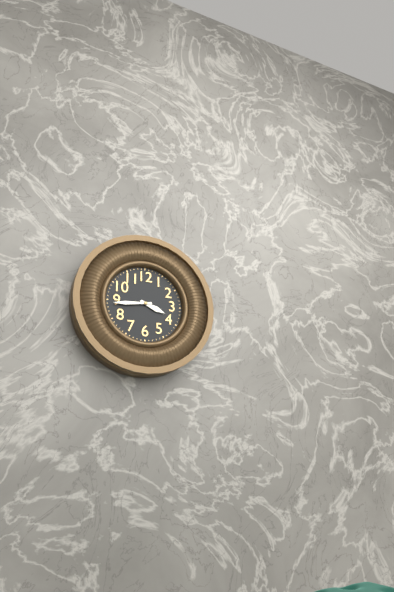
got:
3:44
